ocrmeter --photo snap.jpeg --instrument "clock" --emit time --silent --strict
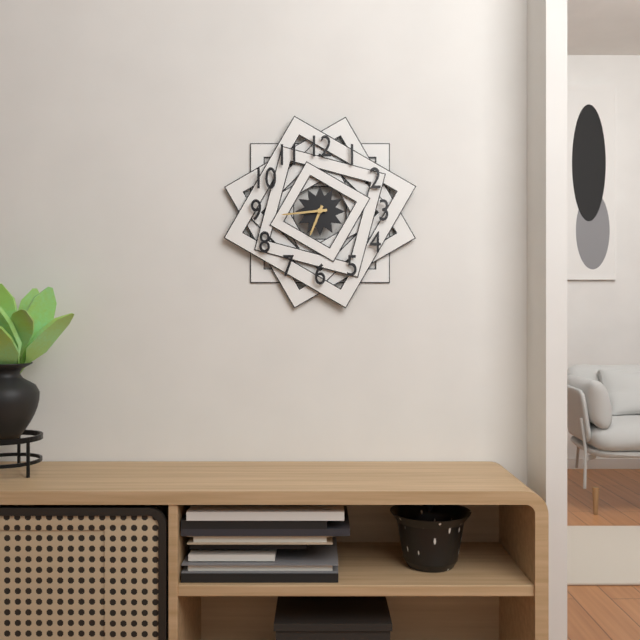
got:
6:44
